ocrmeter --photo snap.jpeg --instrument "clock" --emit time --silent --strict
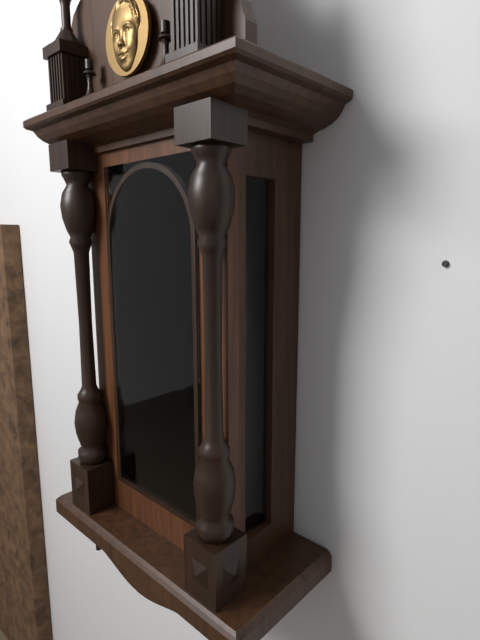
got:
3:04
